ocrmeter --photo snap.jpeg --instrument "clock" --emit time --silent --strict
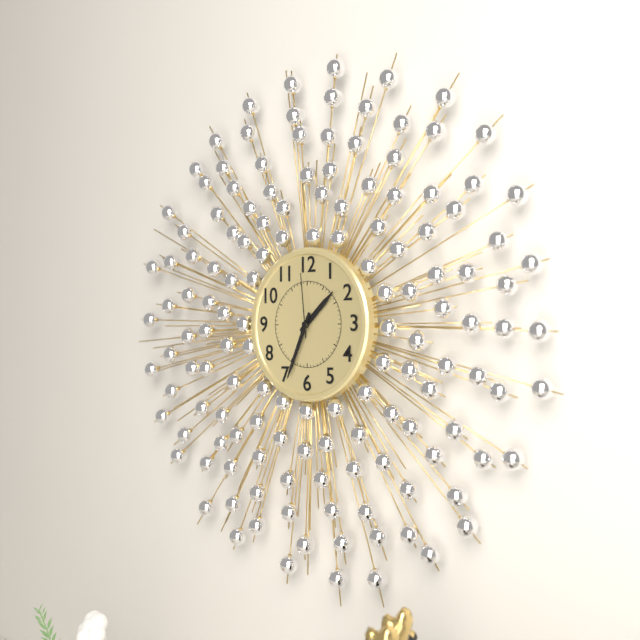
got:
1:34:59
